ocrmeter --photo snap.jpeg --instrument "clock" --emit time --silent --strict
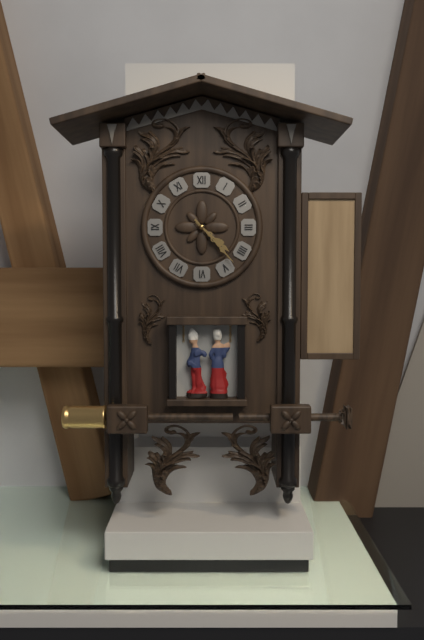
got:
4:23
